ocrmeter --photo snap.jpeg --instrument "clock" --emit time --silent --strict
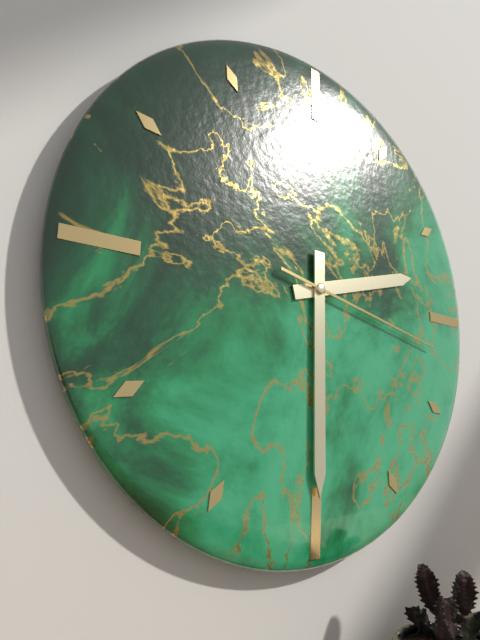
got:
2:30:17
